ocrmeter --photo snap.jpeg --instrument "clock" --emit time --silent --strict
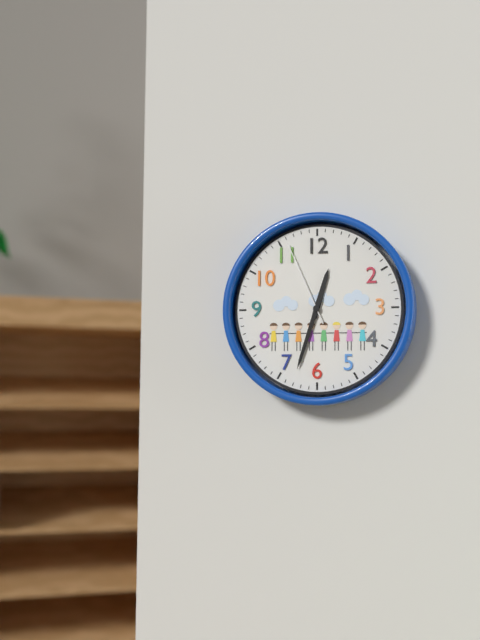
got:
12:33:56
